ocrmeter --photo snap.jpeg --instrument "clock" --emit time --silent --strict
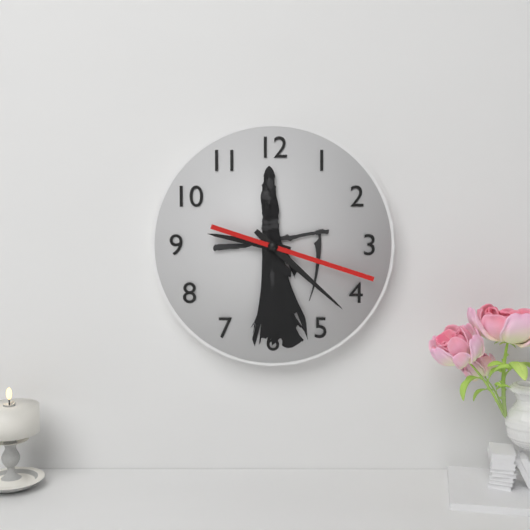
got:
9:22:18
